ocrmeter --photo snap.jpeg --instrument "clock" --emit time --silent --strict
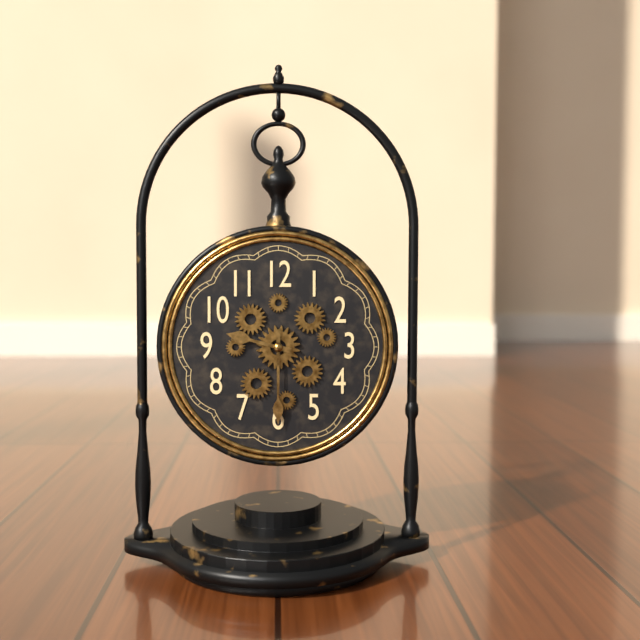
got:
9:30
